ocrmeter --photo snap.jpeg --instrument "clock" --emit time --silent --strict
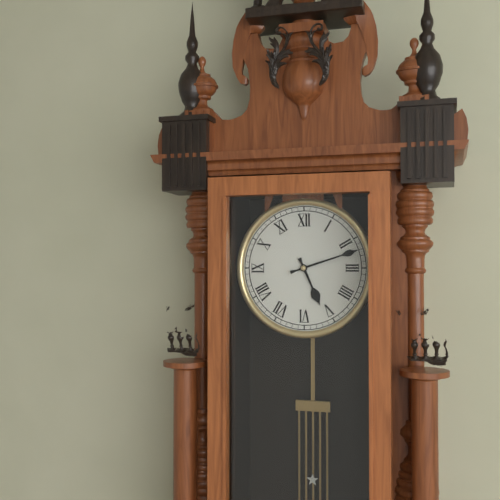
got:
5:12
